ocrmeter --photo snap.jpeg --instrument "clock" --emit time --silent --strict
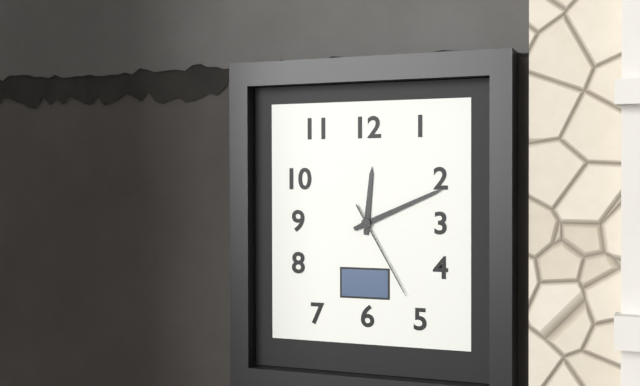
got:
12:11:25
